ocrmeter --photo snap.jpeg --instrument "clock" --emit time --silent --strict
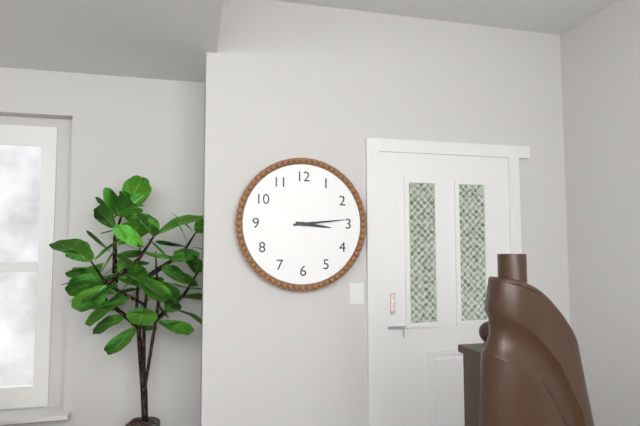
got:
3:14
